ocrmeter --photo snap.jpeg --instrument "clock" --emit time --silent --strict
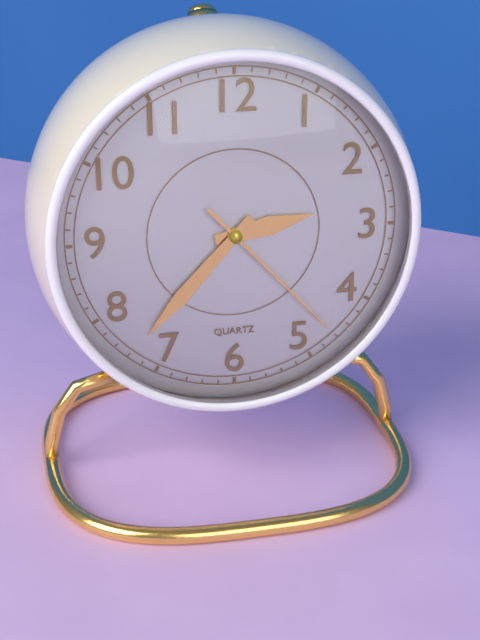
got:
2:37:23
